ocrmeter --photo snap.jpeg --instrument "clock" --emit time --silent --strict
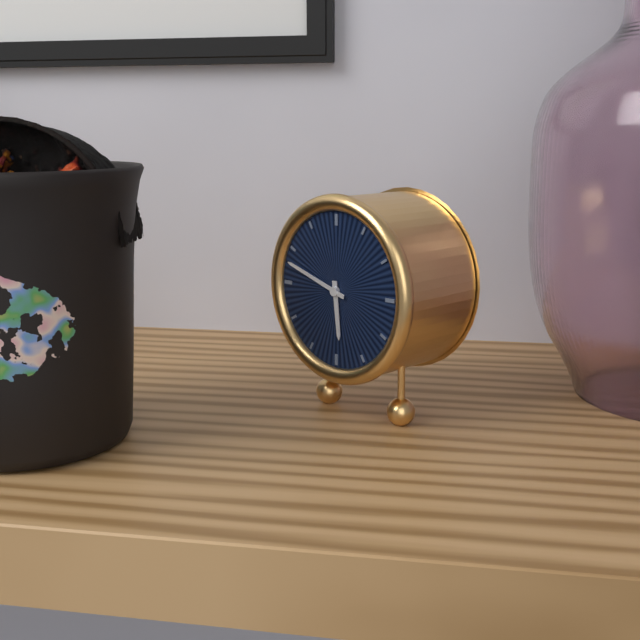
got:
5:48
